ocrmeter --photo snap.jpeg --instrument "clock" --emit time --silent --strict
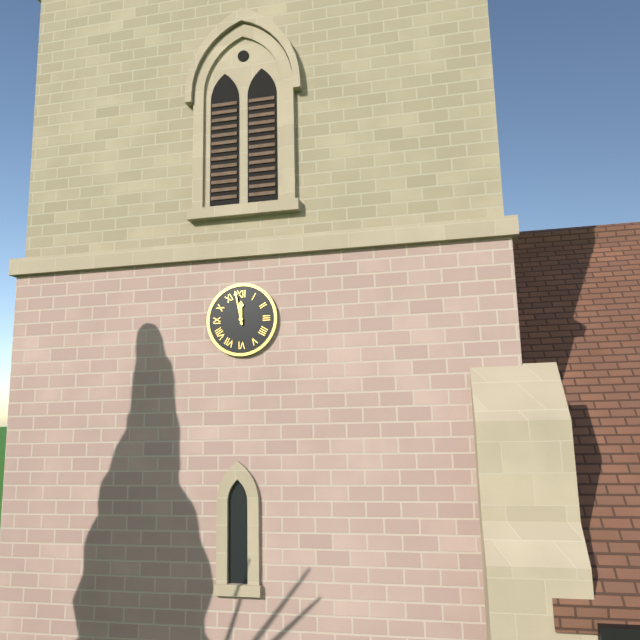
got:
11:58
